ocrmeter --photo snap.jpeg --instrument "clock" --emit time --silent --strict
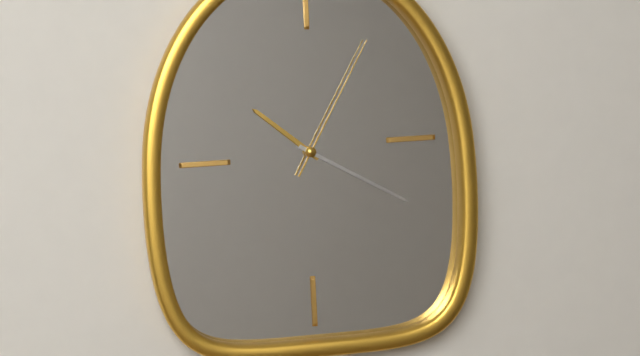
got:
10:20:05
